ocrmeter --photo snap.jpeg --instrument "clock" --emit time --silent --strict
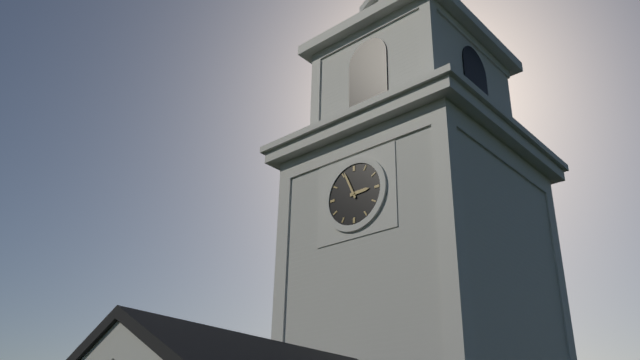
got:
2:56
